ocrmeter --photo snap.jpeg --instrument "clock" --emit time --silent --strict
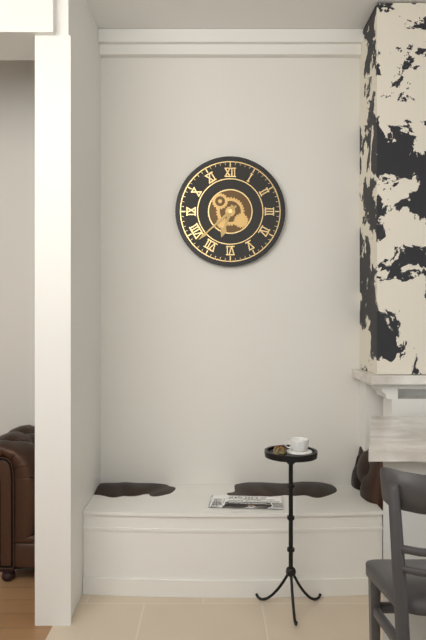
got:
6:38
